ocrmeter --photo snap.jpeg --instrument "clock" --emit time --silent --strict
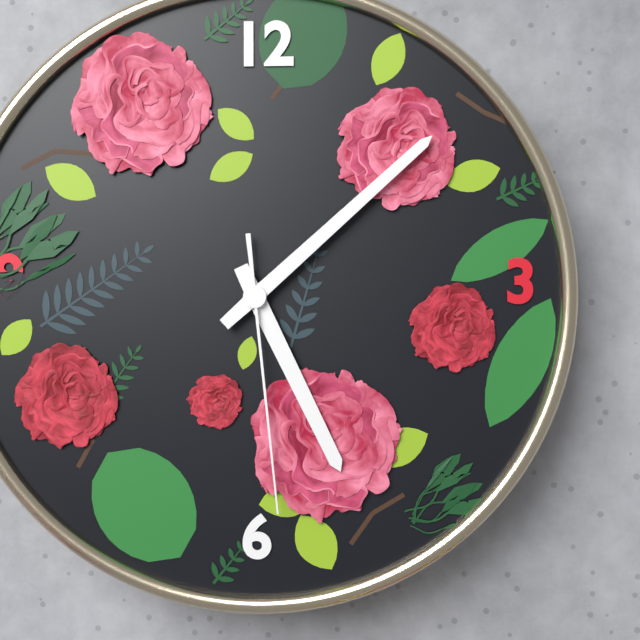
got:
5:08:29
